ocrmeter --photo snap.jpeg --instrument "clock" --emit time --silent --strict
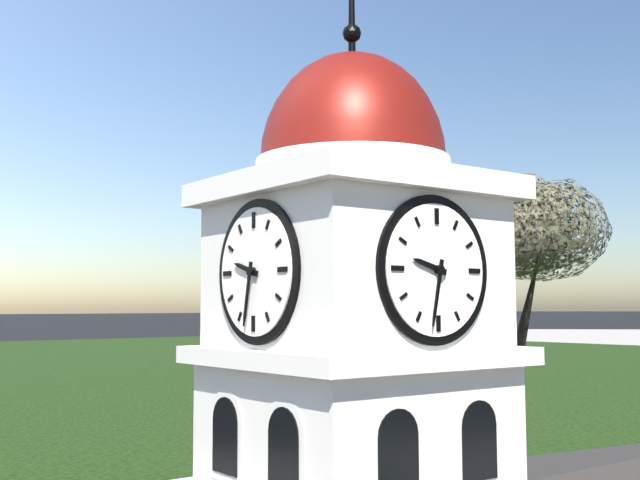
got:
9:32
